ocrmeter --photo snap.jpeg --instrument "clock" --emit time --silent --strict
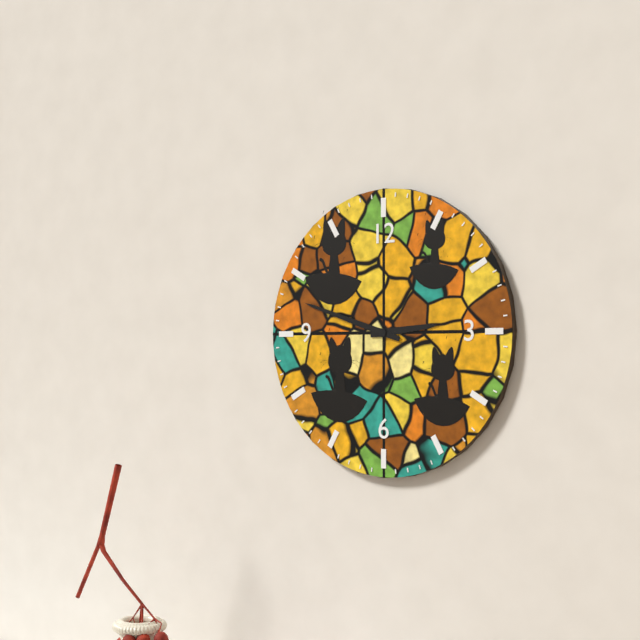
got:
2:48
